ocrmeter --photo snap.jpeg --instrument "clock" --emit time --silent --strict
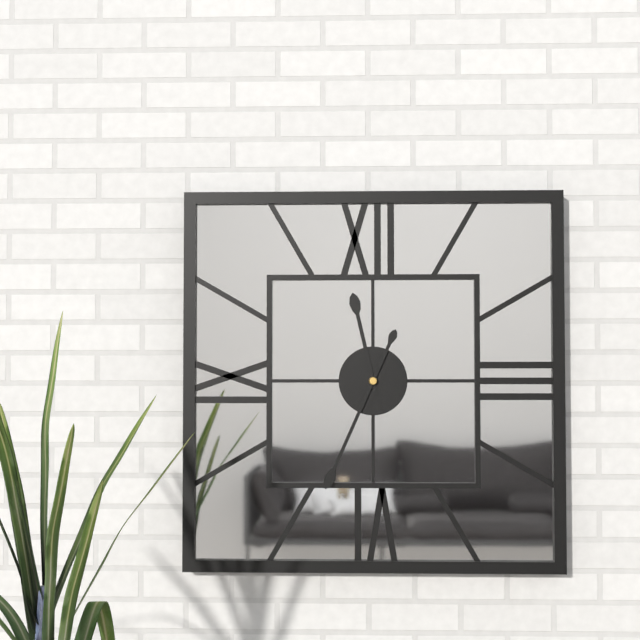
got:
11:34
